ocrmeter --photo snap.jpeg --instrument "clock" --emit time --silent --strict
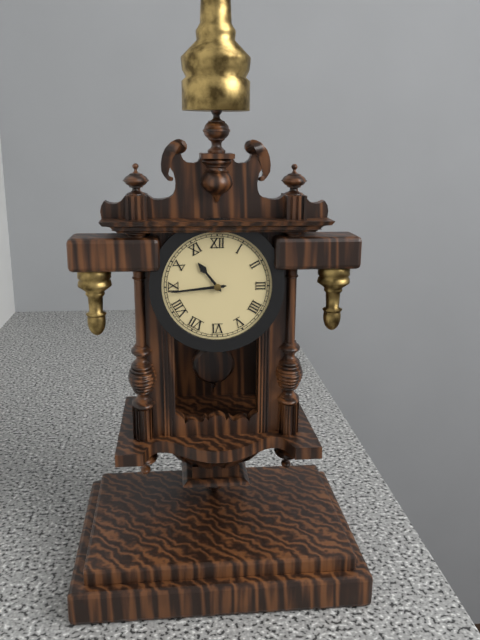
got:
10:44
